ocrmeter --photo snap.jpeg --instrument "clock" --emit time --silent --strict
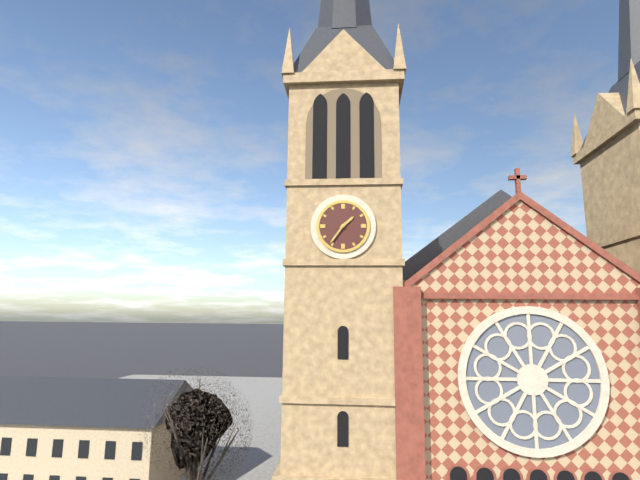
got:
1:36
